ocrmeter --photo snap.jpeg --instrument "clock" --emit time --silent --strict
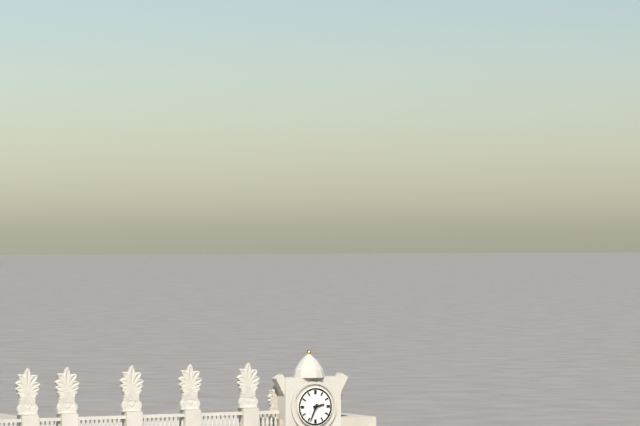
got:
2:34
